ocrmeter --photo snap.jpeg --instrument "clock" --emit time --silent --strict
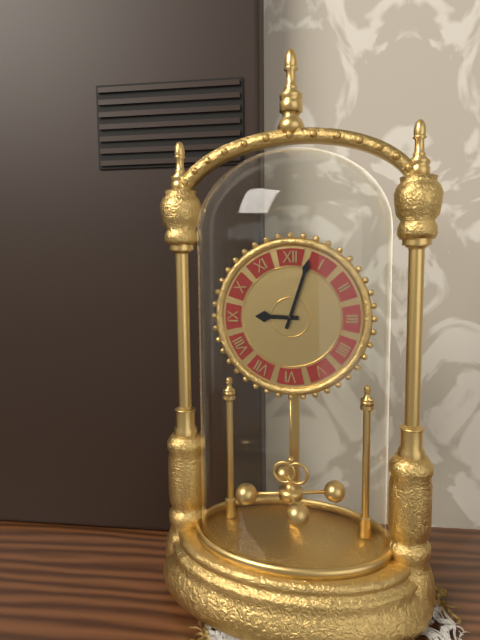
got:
9:03
